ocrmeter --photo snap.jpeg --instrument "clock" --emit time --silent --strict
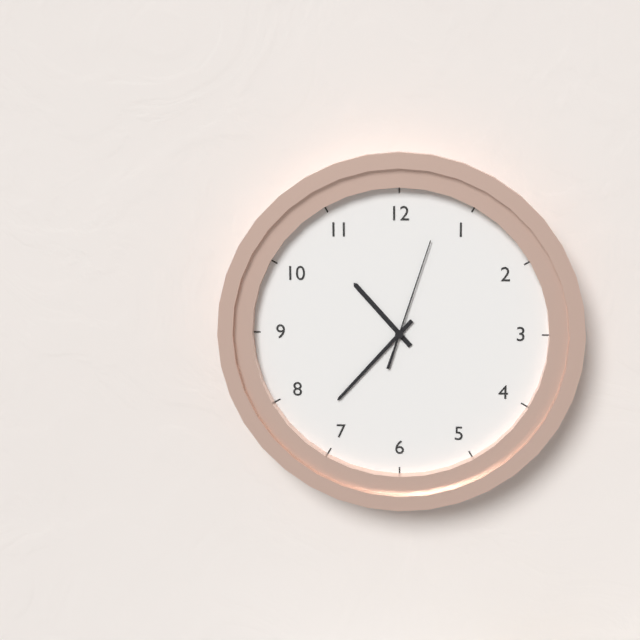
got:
10:37:03
